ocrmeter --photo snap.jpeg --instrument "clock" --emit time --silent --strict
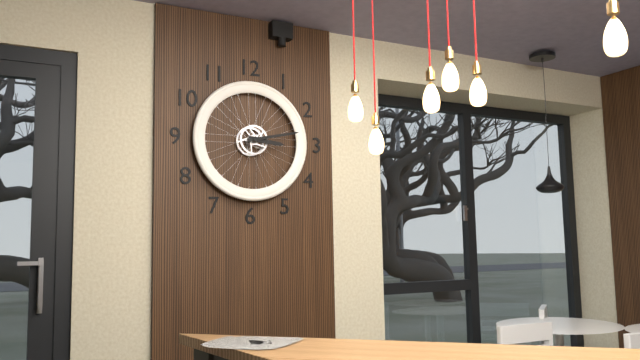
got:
3:13
